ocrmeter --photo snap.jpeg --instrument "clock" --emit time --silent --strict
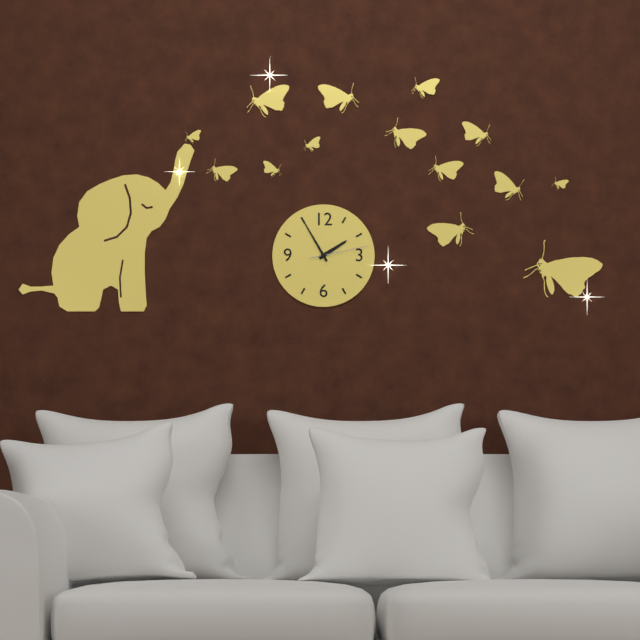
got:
1:55:13
